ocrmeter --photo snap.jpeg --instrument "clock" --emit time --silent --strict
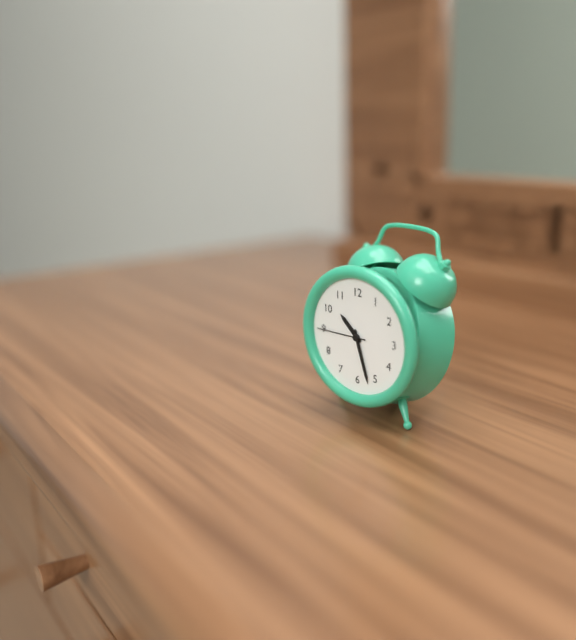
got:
10:27
